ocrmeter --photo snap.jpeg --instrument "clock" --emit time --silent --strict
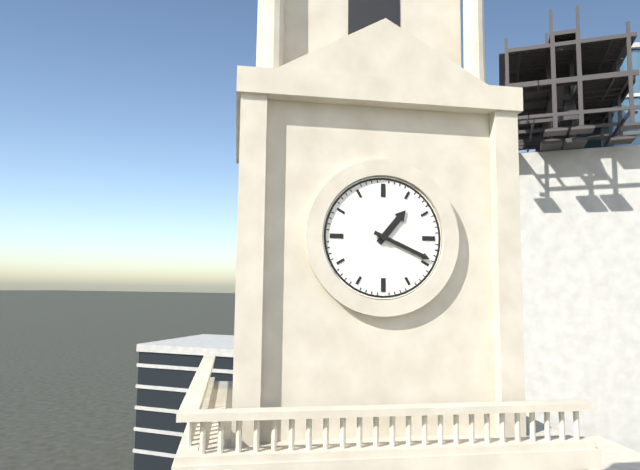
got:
1:19
